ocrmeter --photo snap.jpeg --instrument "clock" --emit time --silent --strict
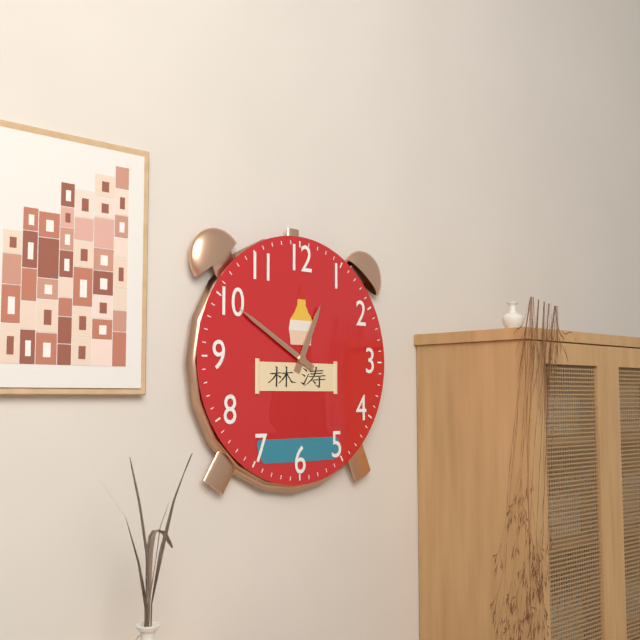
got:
12:50
